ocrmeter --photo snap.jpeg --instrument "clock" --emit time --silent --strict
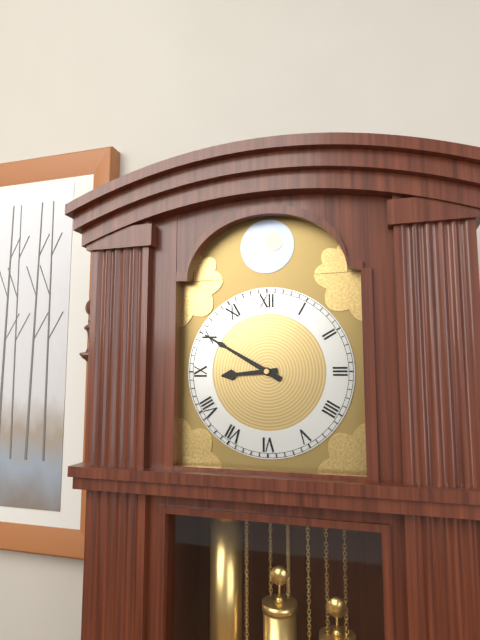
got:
8:50
